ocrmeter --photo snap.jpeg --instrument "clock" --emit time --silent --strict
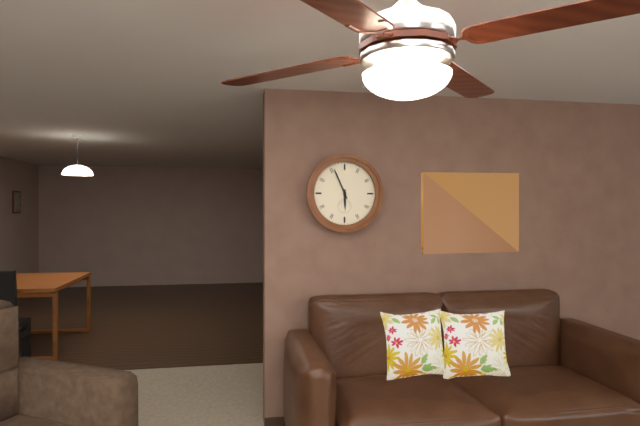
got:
5:56
